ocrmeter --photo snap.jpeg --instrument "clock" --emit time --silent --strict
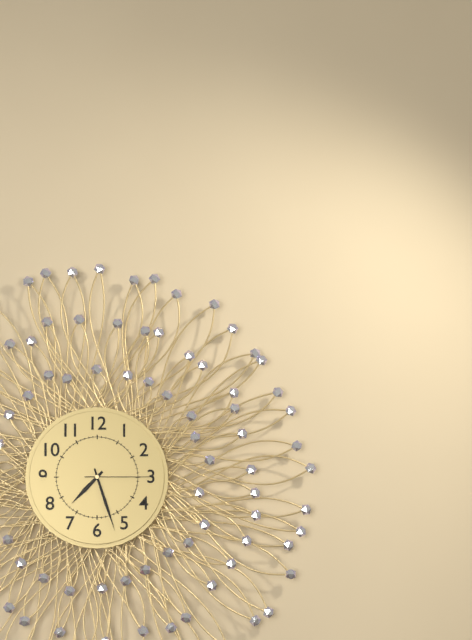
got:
7:27:15
